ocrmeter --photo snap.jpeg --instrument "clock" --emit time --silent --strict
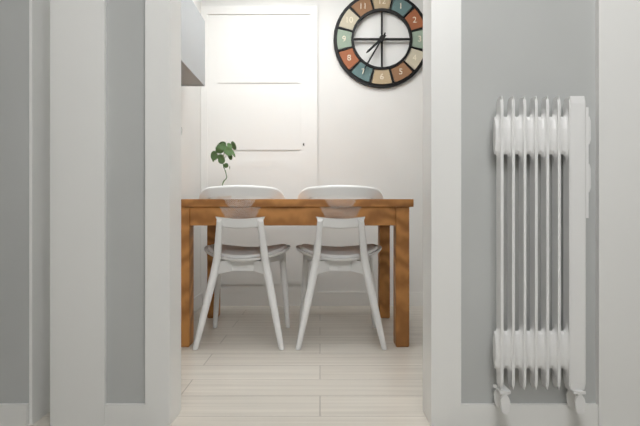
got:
7:35
